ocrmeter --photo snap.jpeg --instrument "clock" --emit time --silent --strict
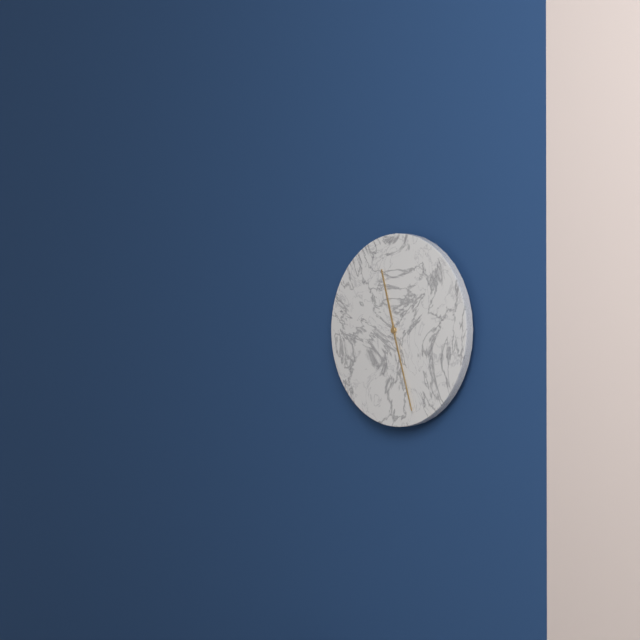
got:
11:27
